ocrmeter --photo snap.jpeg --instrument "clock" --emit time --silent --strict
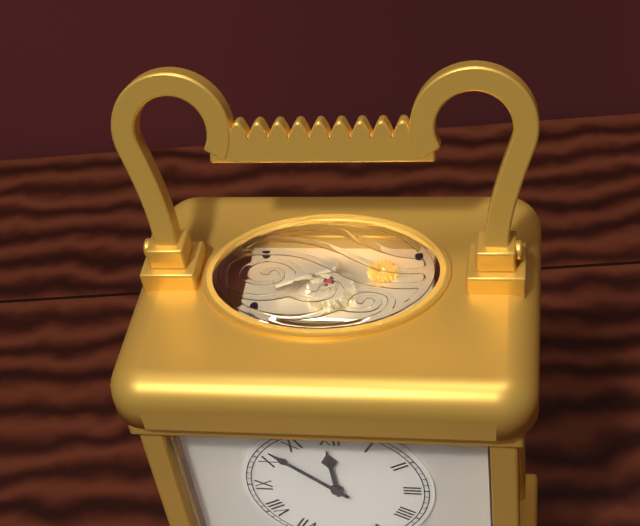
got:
11:52
